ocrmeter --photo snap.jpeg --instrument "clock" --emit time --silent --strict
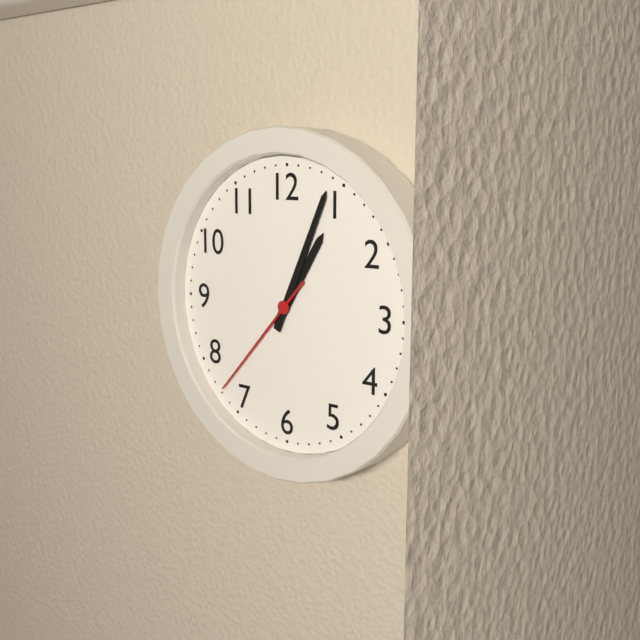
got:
1:04:37
